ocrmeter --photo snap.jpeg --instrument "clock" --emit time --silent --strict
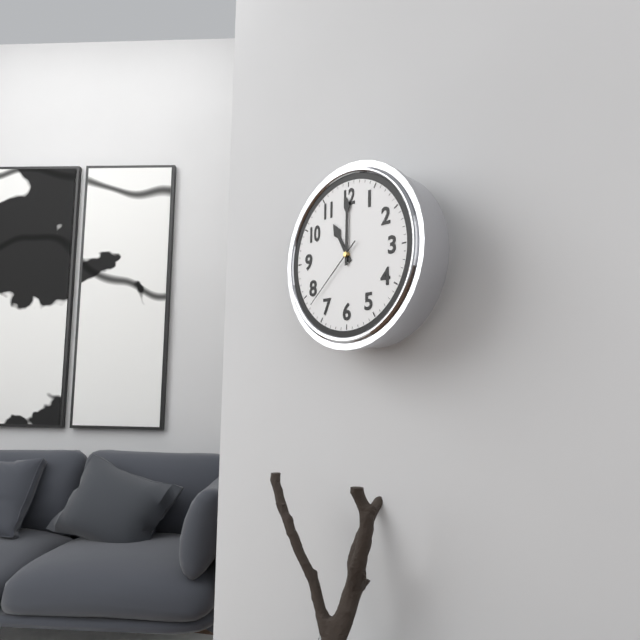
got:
11:00:38
